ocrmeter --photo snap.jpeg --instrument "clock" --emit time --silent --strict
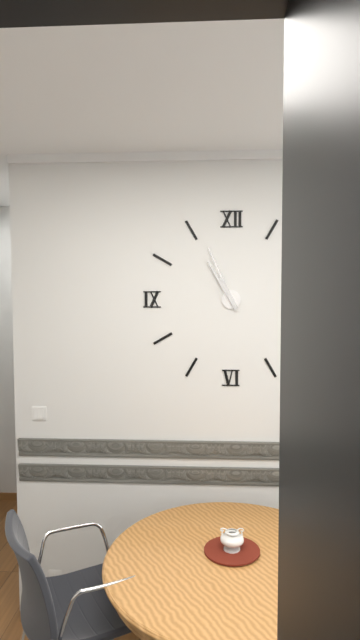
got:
10:56
